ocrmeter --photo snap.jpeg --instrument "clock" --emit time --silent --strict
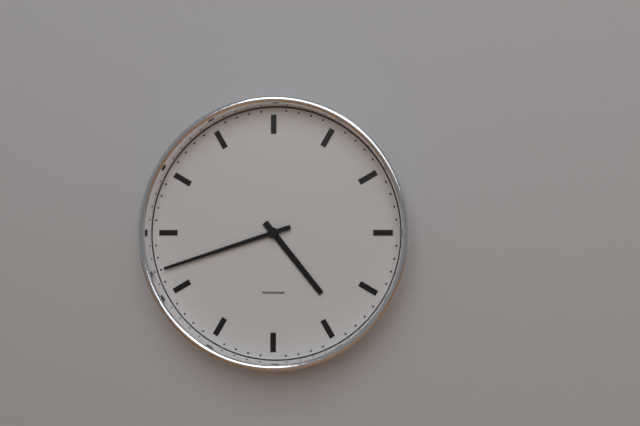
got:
4:42
